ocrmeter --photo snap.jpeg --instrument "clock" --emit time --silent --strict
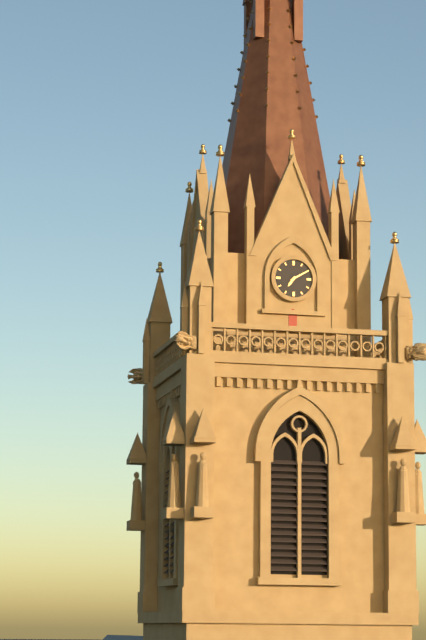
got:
7:10
